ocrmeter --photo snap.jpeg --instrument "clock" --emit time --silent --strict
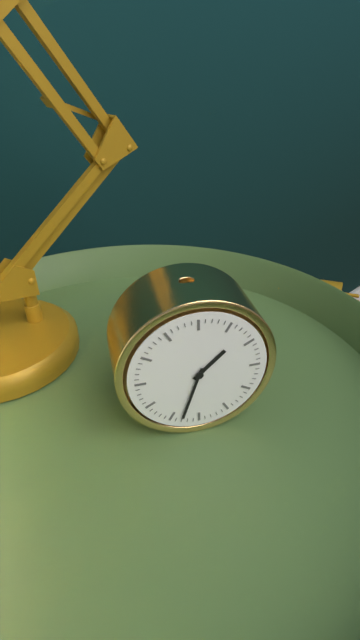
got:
1:33
